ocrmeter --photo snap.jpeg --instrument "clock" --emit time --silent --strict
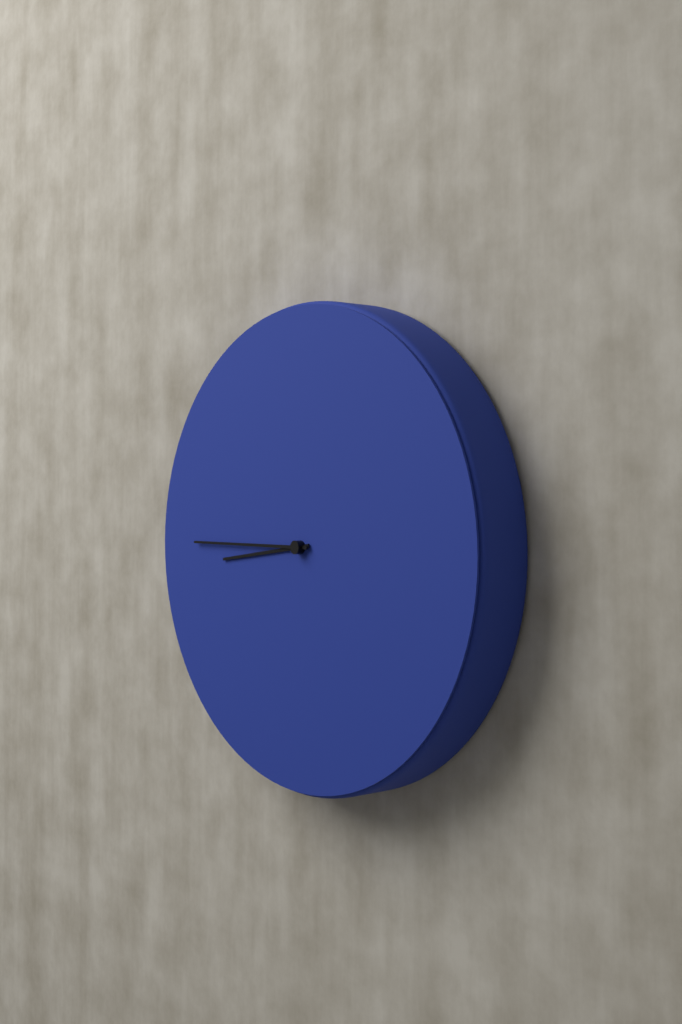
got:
8:45
